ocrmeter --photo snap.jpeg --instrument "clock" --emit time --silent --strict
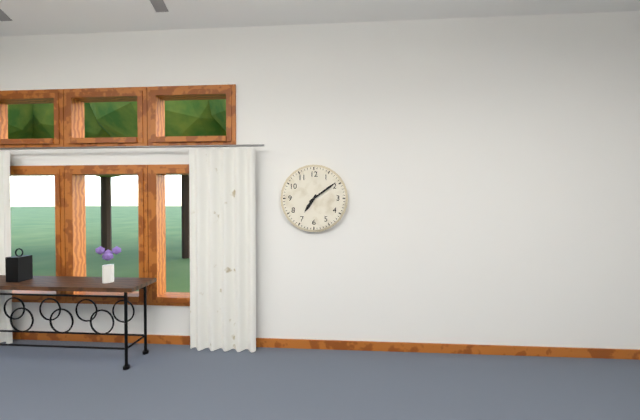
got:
7:09
